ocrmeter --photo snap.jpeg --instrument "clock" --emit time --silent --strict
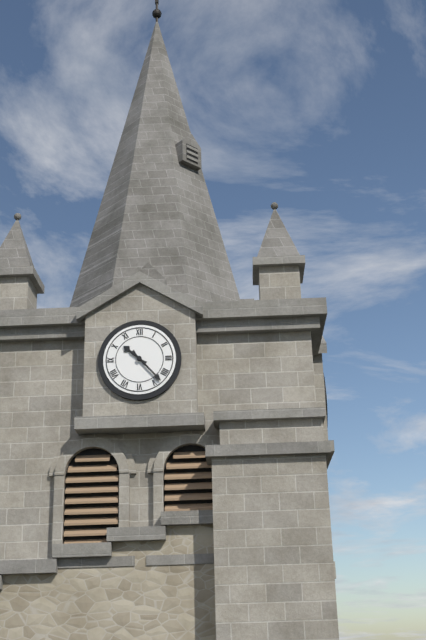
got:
10:23
